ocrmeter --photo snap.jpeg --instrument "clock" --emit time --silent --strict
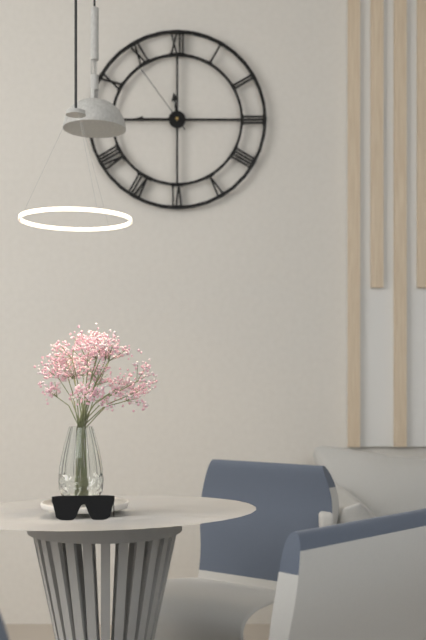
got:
11:45:54
